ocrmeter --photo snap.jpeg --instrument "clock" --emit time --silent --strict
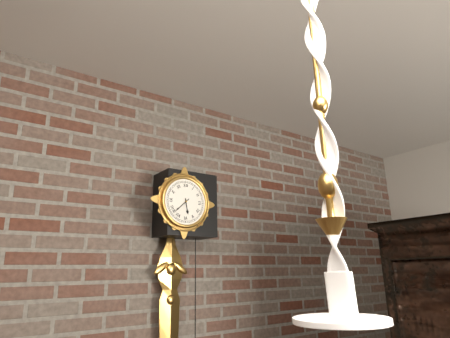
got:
5:38
